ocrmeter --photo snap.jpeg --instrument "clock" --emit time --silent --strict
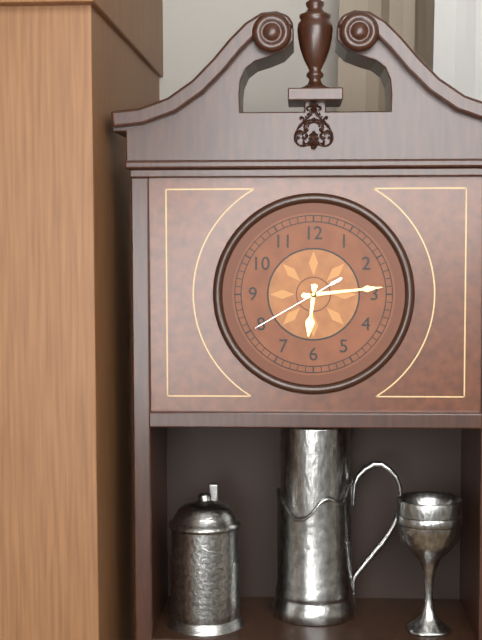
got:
6:14:40
